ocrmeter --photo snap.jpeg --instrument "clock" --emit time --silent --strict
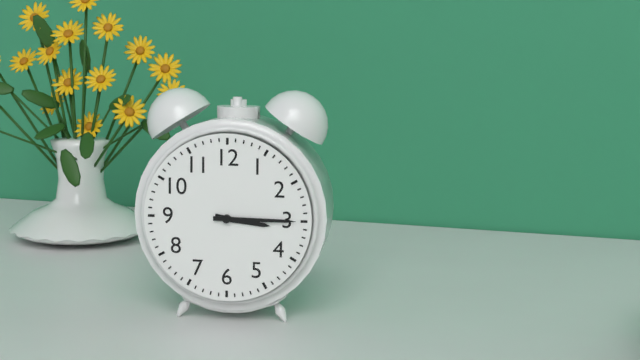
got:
3:15
